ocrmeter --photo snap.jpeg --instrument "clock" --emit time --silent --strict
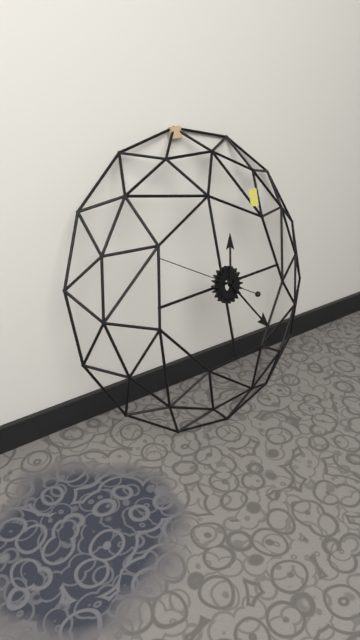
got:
12:24:50
